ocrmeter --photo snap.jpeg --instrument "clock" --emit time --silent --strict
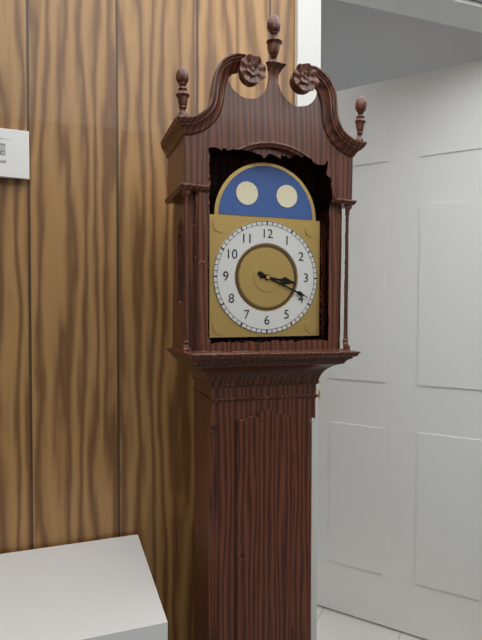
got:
3:19
